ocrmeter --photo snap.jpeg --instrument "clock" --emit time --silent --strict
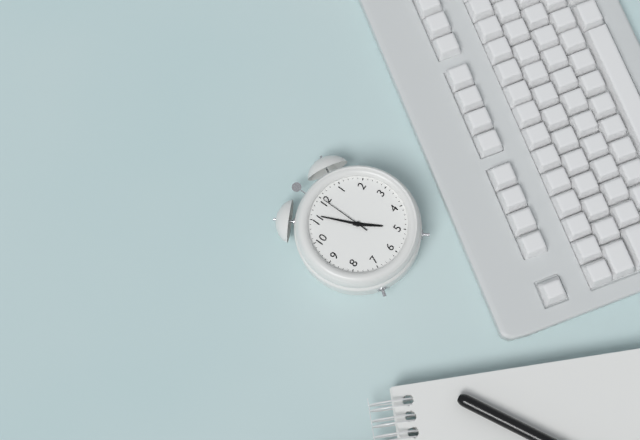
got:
4:56:00
